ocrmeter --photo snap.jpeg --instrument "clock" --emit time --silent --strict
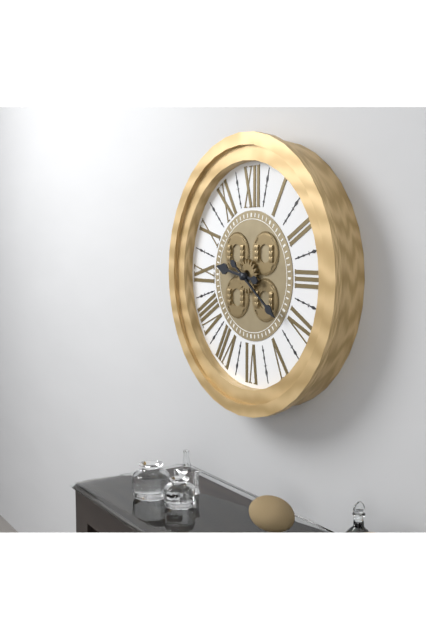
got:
9:21
